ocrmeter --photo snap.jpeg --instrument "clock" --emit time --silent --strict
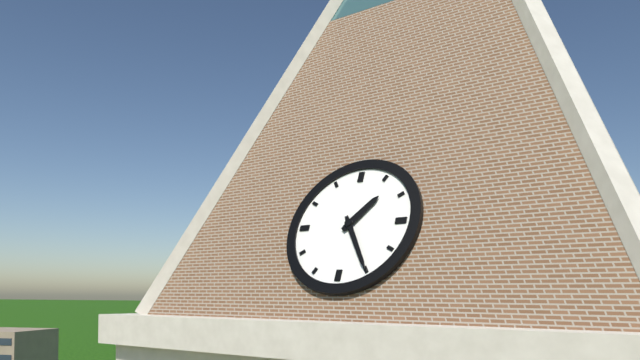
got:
1:25
